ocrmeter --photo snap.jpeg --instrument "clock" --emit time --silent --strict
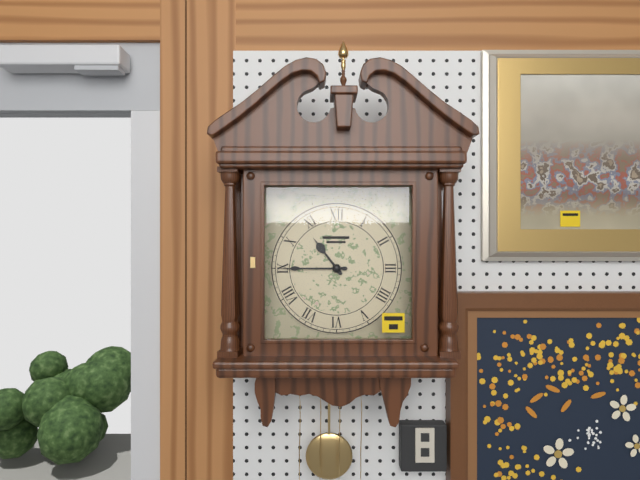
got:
10:45
